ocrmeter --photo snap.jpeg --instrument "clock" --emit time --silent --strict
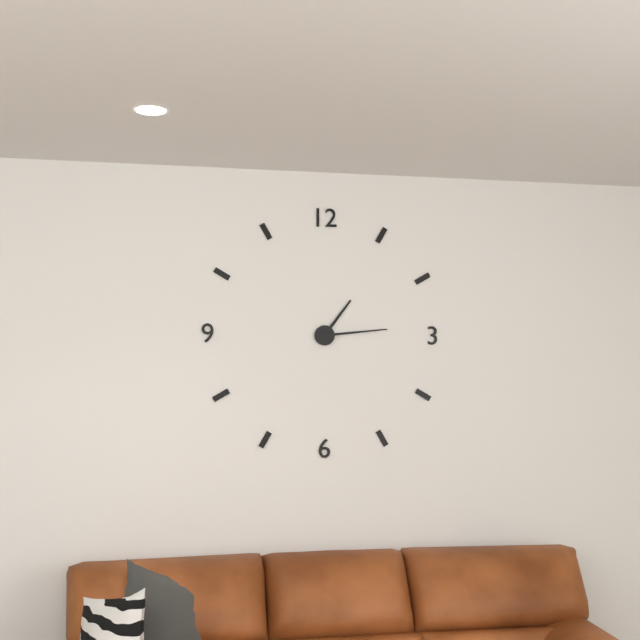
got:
1:14
